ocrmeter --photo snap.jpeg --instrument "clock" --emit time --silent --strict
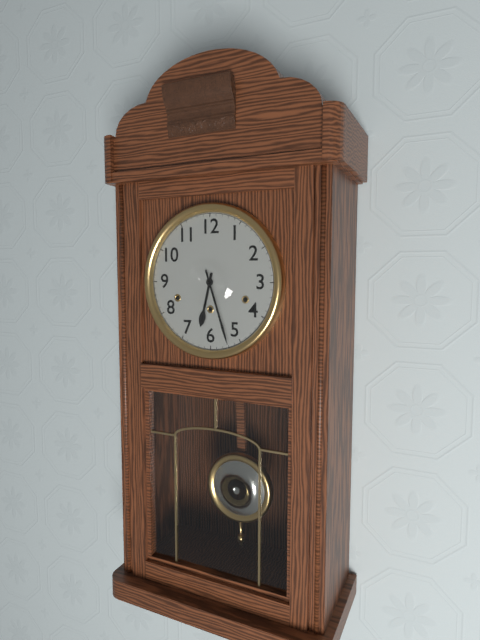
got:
6:27
